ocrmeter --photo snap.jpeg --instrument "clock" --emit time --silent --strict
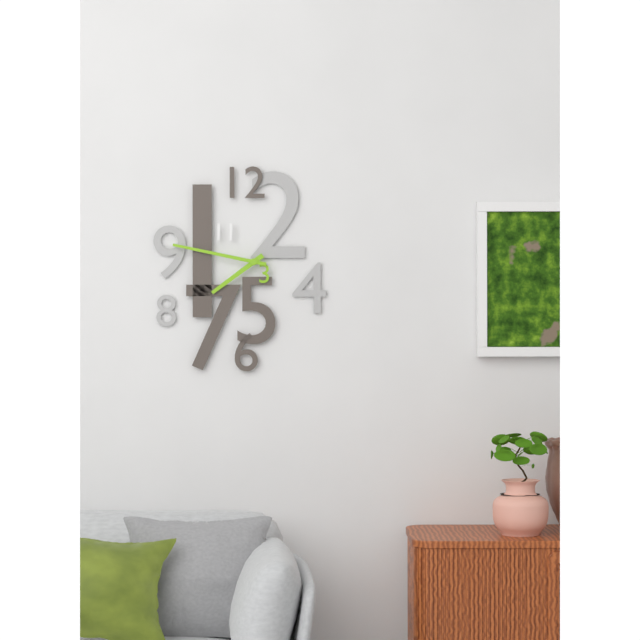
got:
7:47
